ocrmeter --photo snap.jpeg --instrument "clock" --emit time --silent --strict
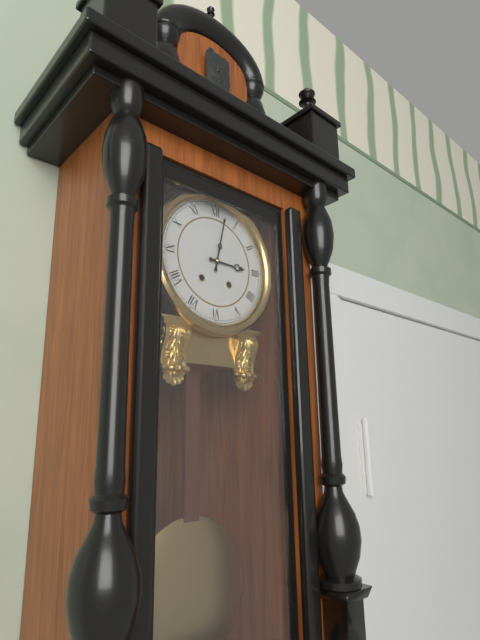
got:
3:02
